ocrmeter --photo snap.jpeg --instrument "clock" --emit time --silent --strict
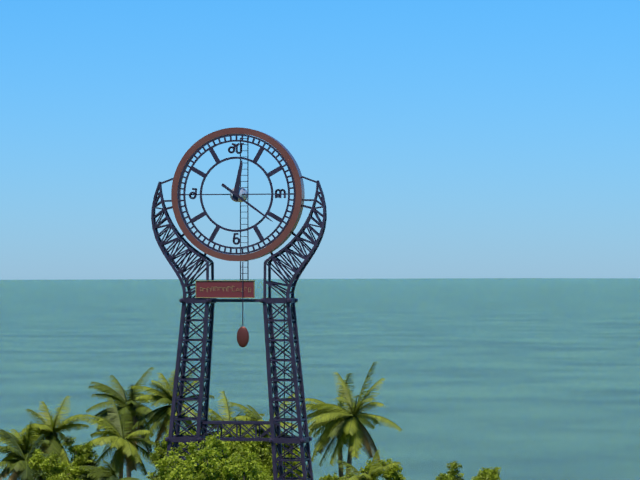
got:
12:21
